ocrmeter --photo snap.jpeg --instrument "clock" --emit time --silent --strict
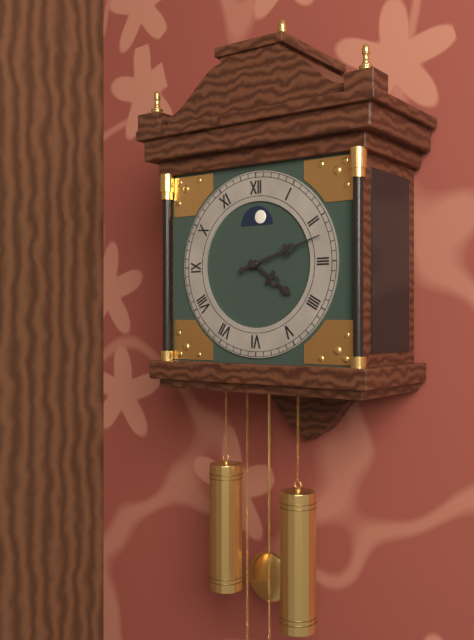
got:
4:12
